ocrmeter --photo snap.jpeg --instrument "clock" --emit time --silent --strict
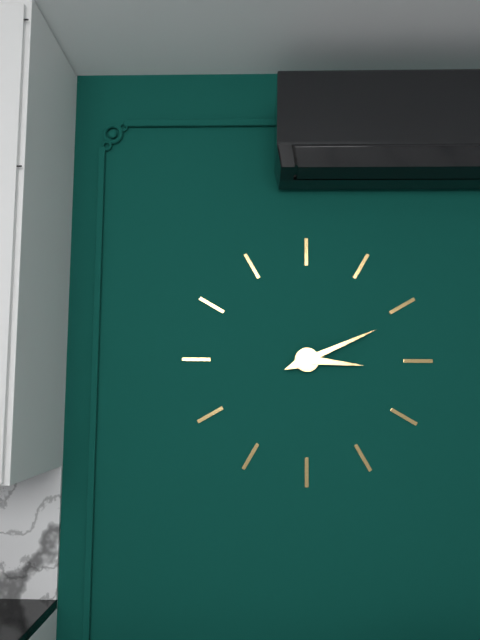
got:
3:11
